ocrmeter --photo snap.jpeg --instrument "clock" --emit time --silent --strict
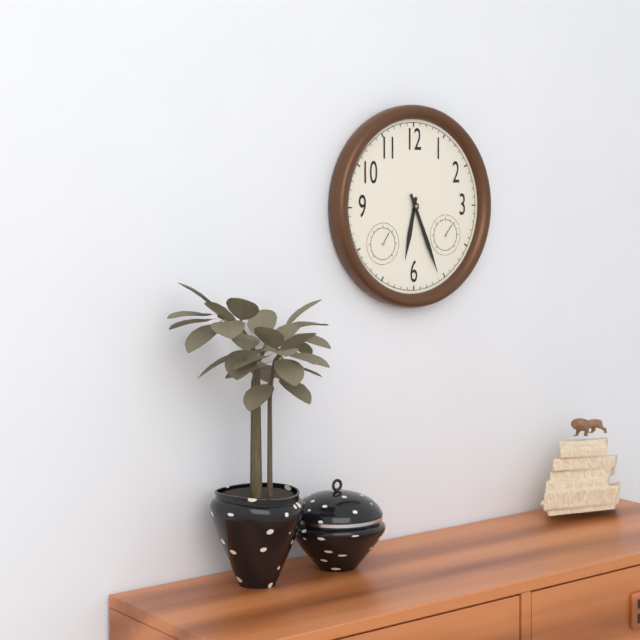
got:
6:26
